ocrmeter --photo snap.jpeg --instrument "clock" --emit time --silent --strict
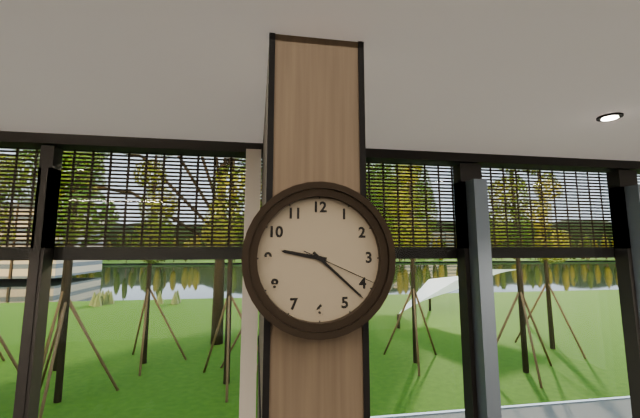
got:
9:22:19
